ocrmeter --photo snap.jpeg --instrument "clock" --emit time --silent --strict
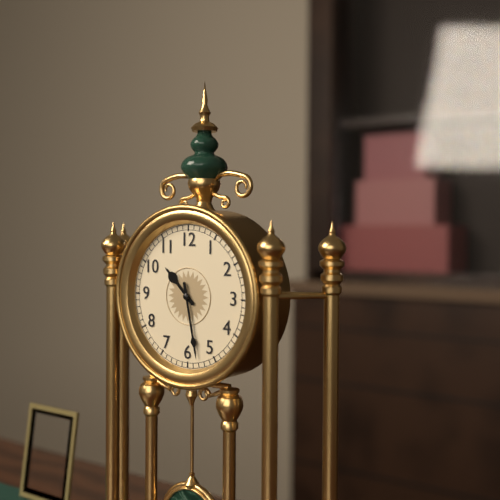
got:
10:28
